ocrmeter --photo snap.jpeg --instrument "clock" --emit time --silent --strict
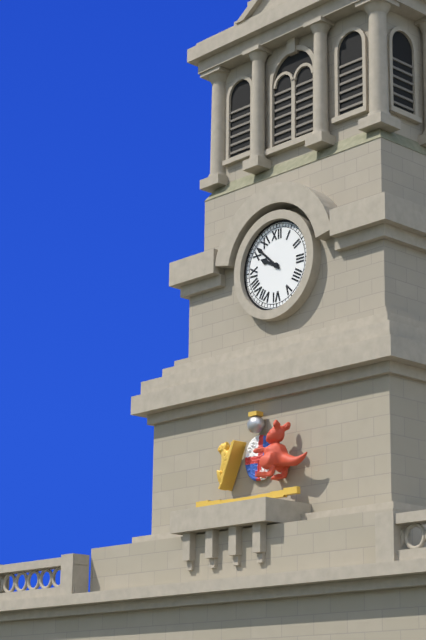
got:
9:52
